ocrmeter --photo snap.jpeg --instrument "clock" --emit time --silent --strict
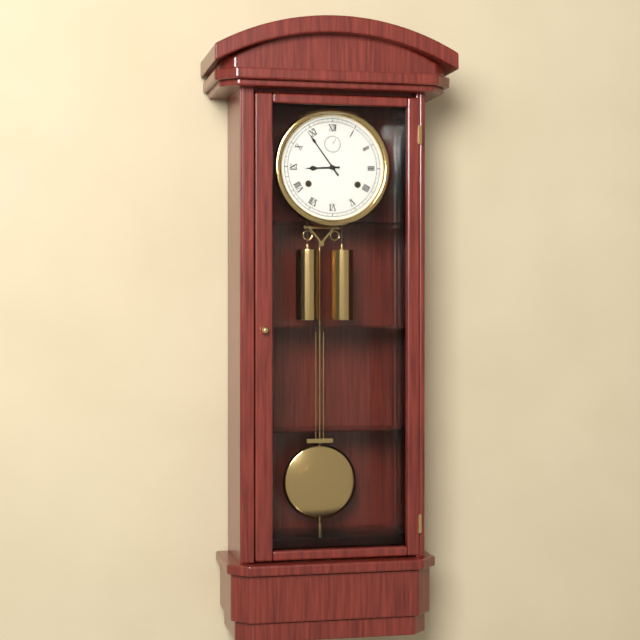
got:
8:54
